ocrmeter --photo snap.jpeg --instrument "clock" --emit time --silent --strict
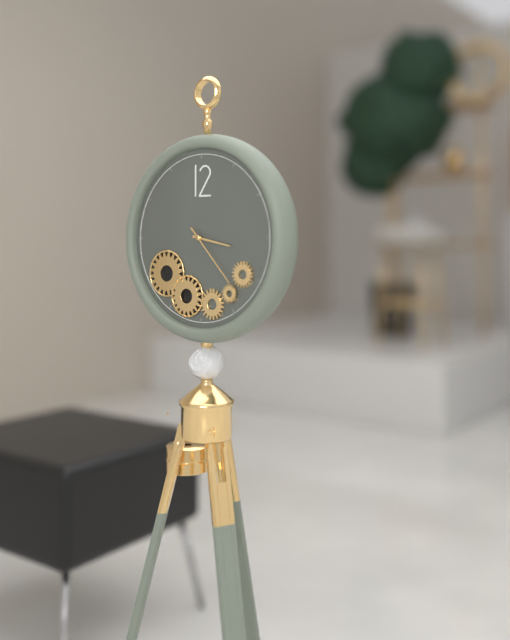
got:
3:23
